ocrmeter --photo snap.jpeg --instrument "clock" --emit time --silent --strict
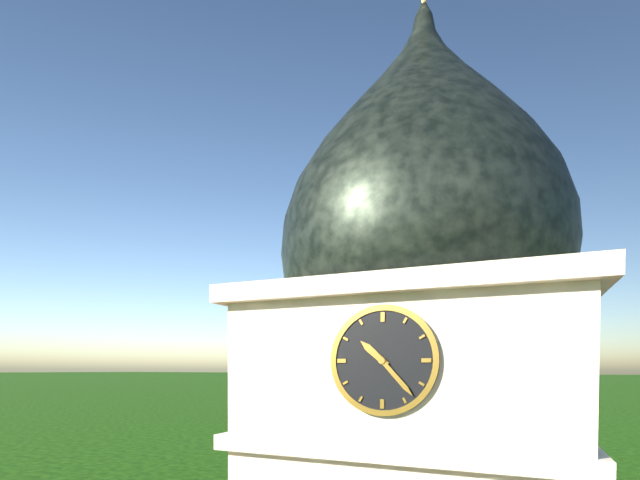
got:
10:23
